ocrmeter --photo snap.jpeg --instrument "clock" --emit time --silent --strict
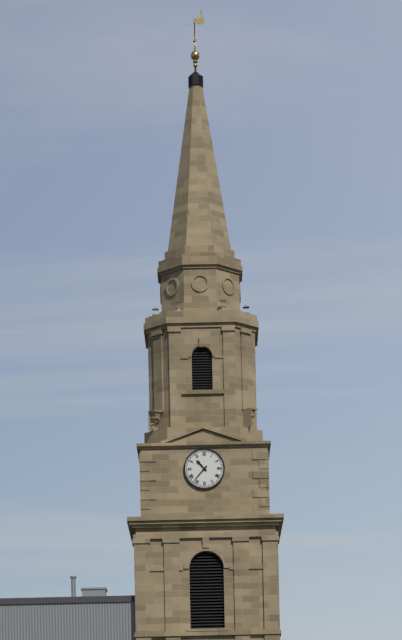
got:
10:37
